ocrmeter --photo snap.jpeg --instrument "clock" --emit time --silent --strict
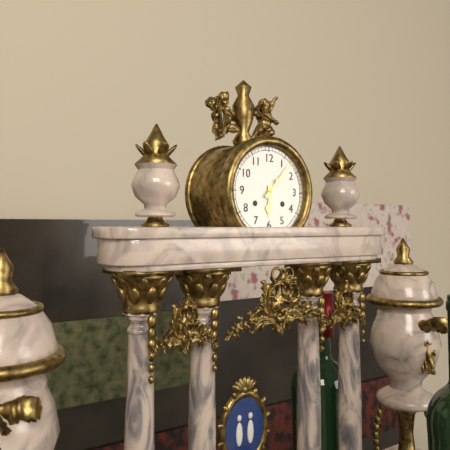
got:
6:07
